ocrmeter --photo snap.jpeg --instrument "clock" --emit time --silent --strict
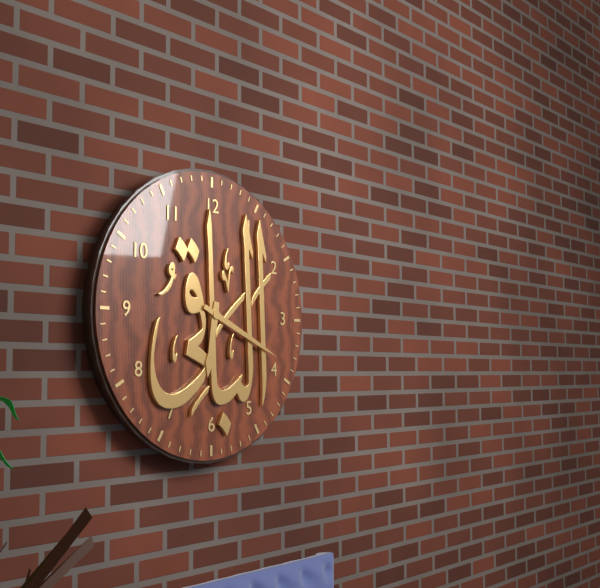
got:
6:19
